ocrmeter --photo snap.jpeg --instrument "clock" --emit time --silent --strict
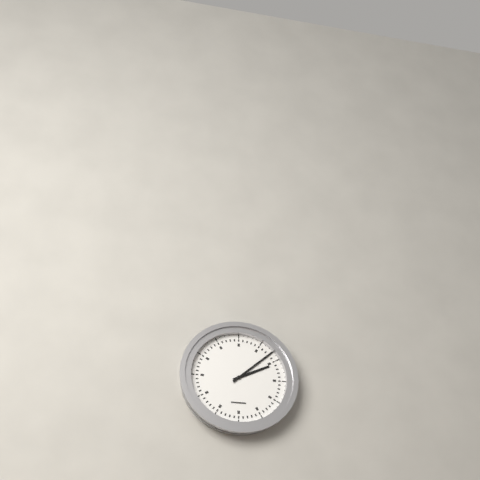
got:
2:08
